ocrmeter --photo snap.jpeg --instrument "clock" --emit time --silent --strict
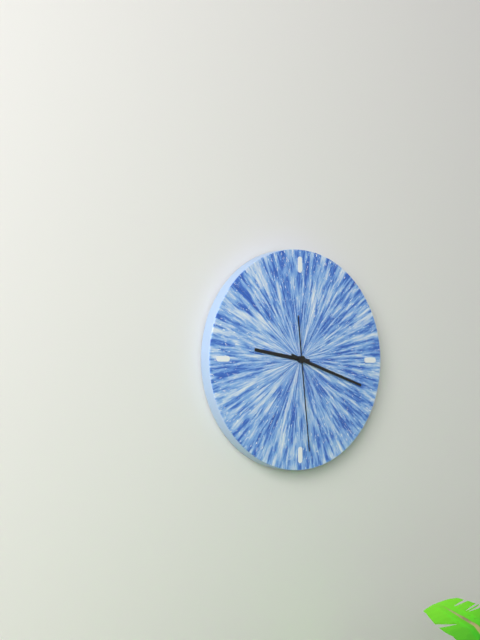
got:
9:18:29
